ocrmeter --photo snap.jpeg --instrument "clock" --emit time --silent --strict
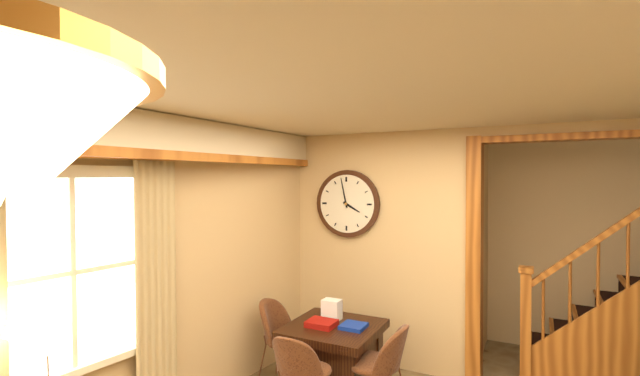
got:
3:58
